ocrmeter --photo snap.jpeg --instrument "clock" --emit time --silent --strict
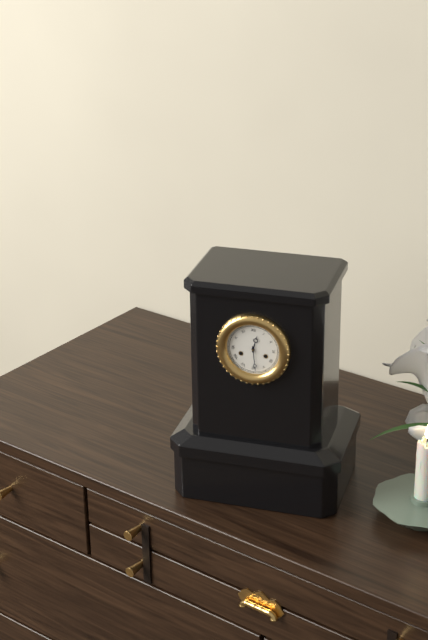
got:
12:29
